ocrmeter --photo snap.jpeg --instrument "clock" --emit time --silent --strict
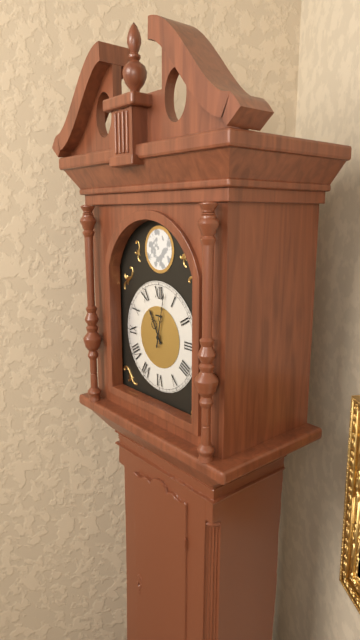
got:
11:02
